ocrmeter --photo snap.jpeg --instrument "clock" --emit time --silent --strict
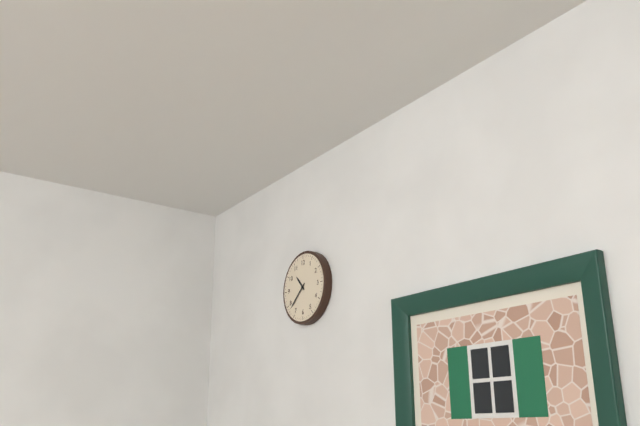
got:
10:38
